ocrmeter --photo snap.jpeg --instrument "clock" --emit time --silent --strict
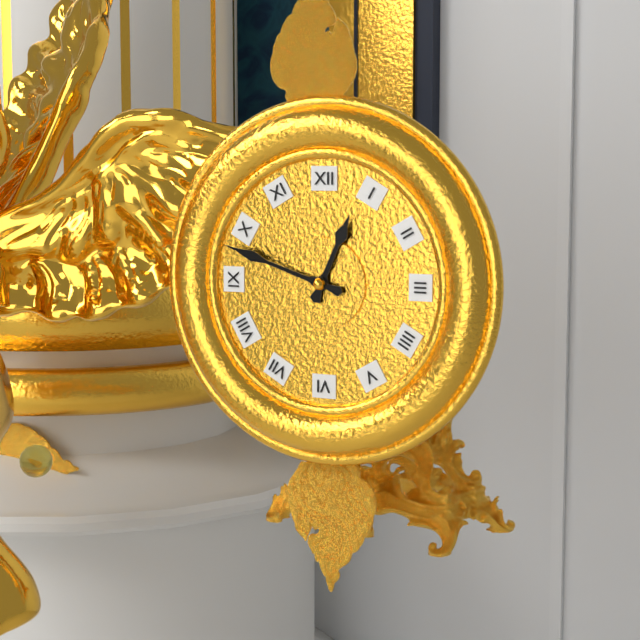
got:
12:48
